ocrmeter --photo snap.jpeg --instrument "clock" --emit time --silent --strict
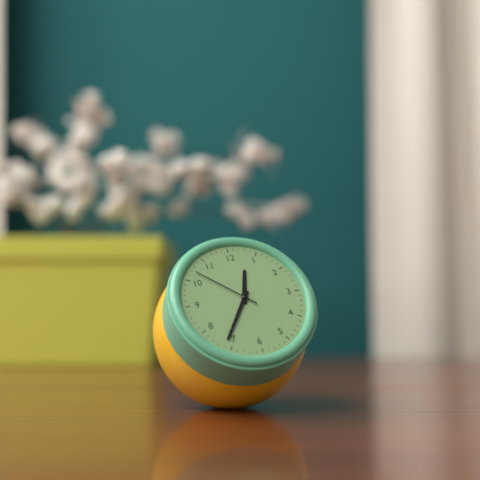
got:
12:36:52
